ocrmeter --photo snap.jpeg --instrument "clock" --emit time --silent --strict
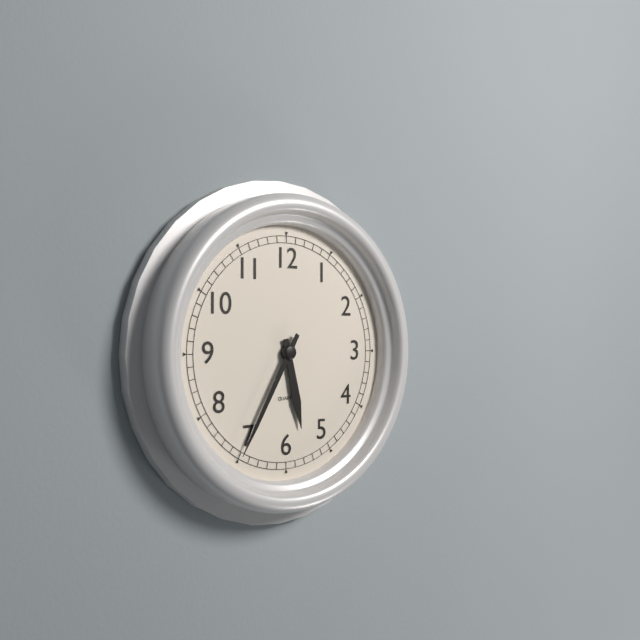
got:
5:35
